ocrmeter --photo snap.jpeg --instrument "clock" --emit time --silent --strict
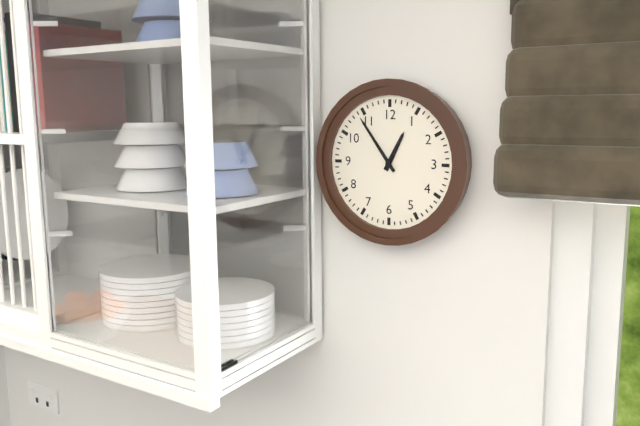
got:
12:54
